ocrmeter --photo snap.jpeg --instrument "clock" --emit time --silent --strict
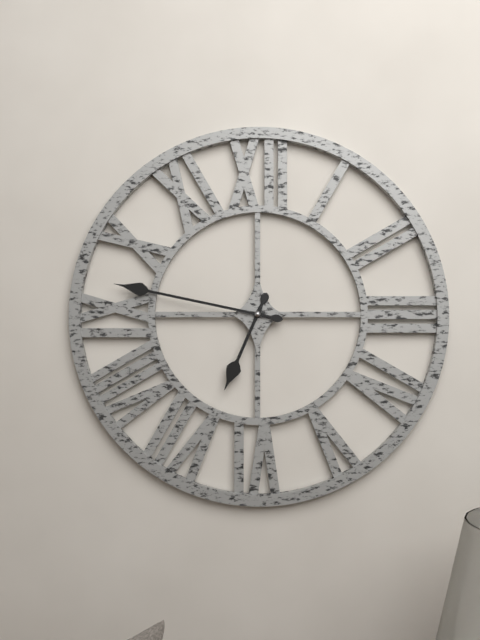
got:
6:47
